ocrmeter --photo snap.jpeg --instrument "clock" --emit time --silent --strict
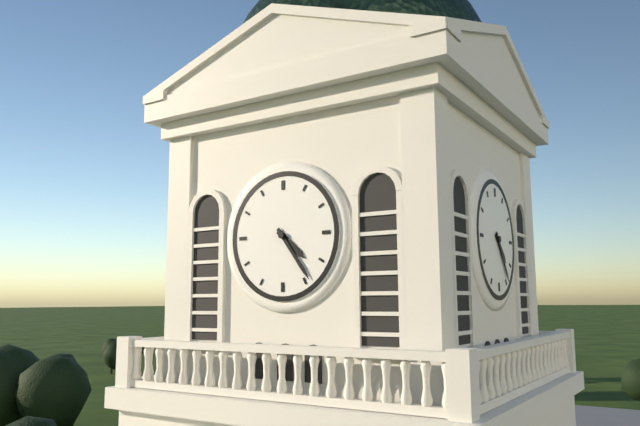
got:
4:24
